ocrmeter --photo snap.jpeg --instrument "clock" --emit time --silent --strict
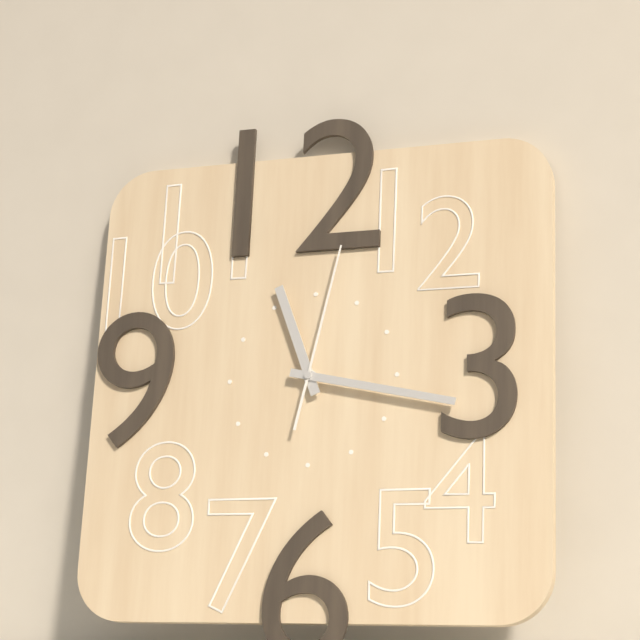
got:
11:17:02
